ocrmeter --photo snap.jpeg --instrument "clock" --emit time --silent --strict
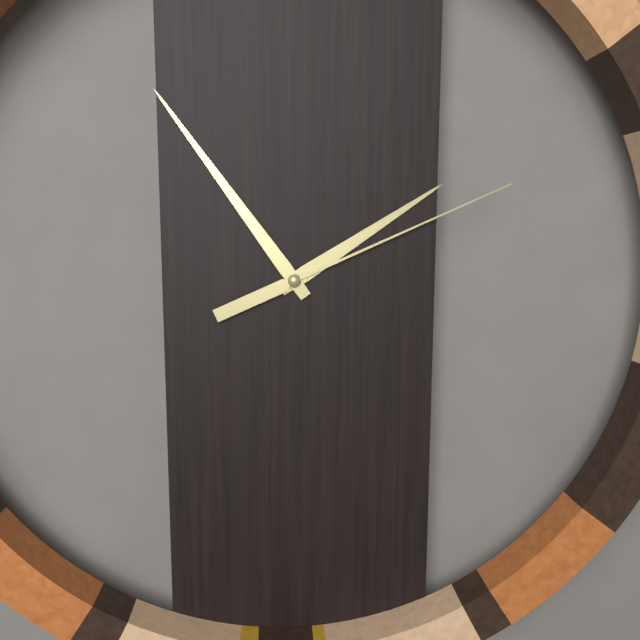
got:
1:54:11
